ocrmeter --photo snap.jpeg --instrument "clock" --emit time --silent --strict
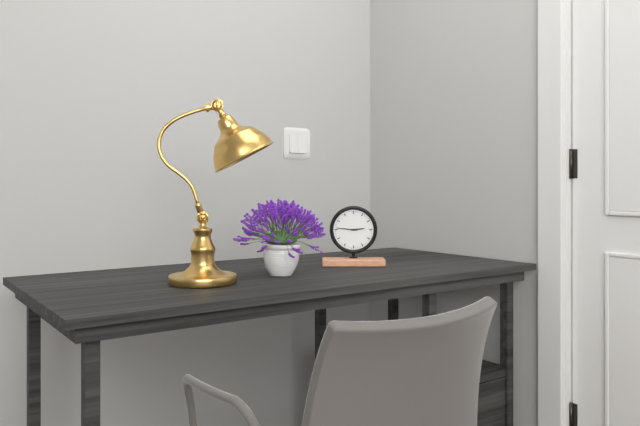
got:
2:46
